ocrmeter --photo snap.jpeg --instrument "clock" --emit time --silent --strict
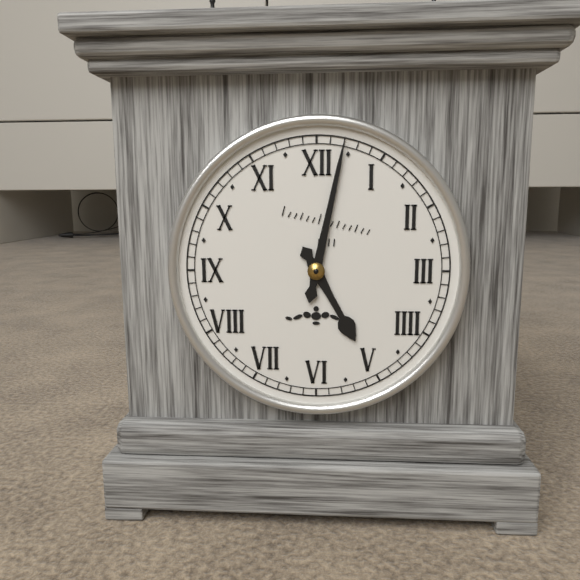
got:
5:02
